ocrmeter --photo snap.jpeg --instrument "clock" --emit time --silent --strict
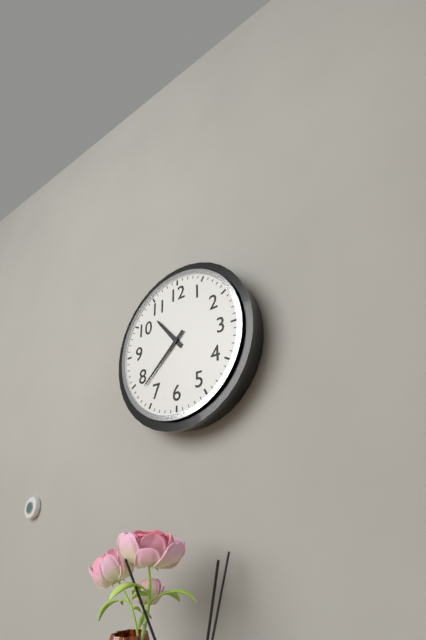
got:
10:38
